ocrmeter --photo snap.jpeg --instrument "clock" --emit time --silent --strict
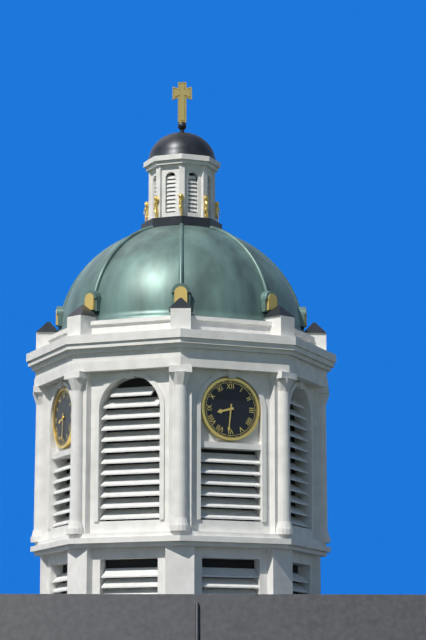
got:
8:31
